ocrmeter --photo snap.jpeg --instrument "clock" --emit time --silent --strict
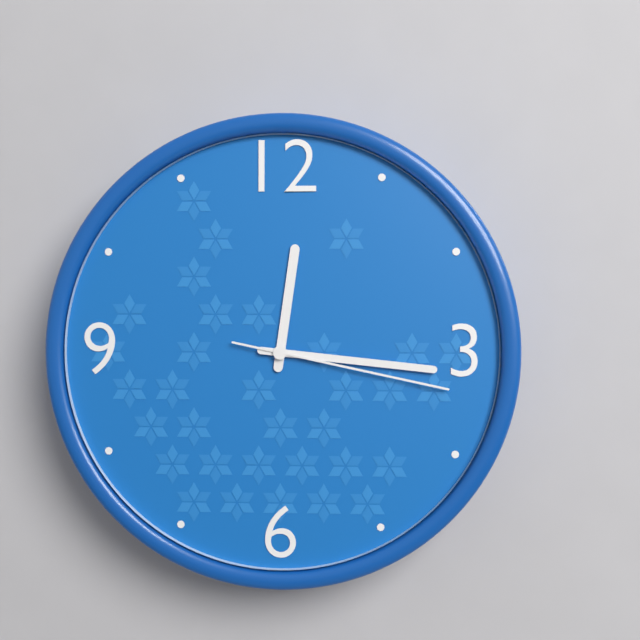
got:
12:16:17
